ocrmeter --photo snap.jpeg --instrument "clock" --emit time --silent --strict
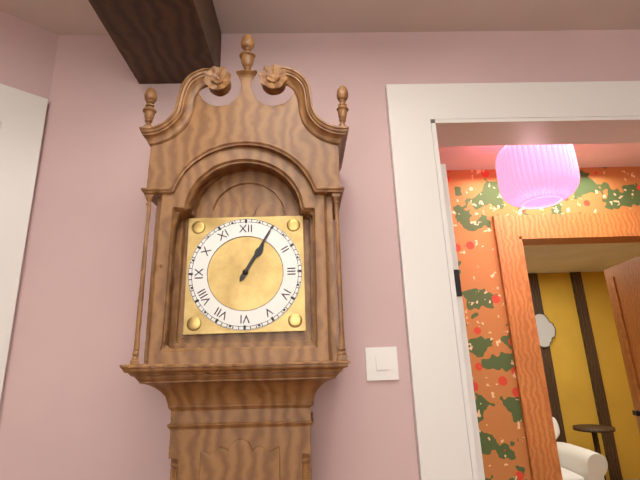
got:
1:05
